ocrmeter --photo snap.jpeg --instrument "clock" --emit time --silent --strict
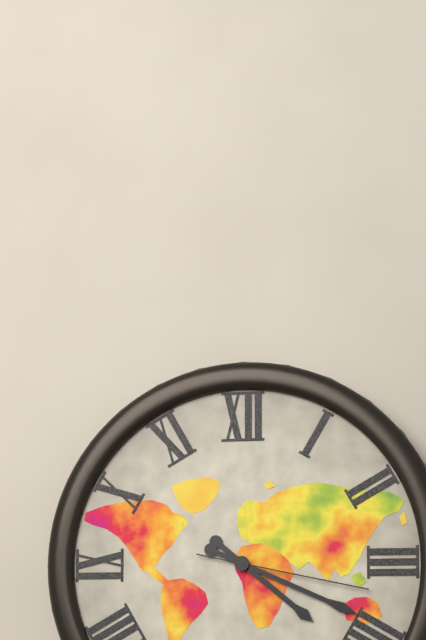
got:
4:19:17
